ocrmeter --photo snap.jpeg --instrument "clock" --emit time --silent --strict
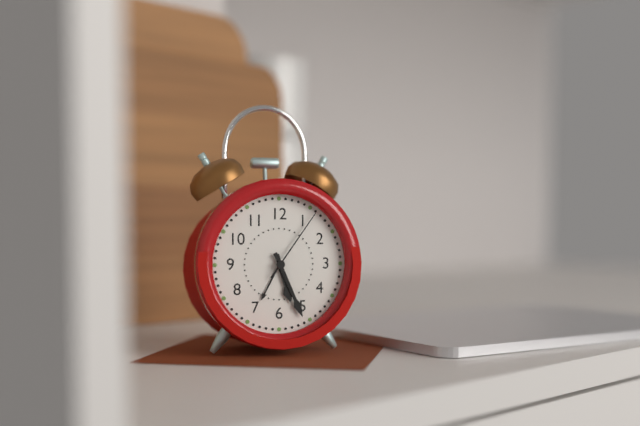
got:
5:26:06
